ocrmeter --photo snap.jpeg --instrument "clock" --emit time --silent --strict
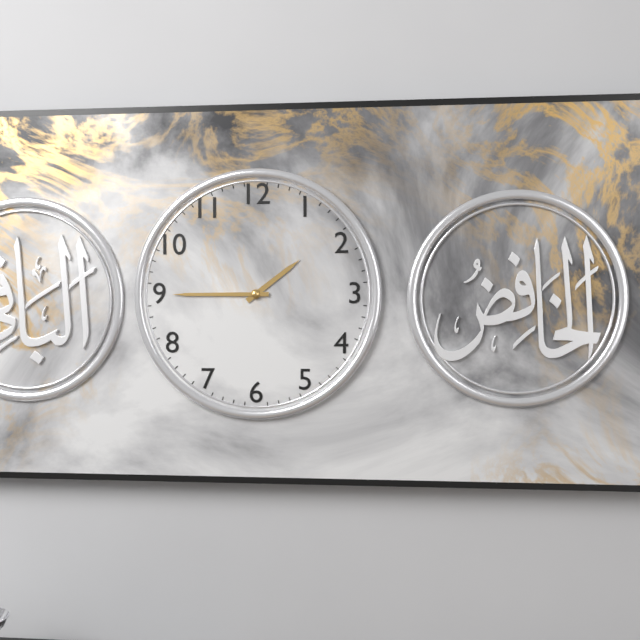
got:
1:45
